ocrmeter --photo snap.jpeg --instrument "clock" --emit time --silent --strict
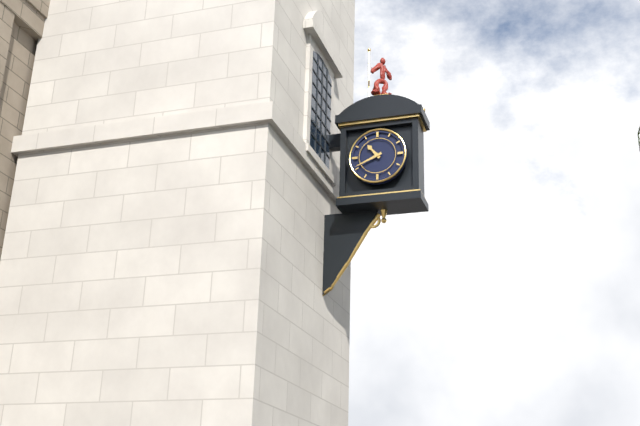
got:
10:41
